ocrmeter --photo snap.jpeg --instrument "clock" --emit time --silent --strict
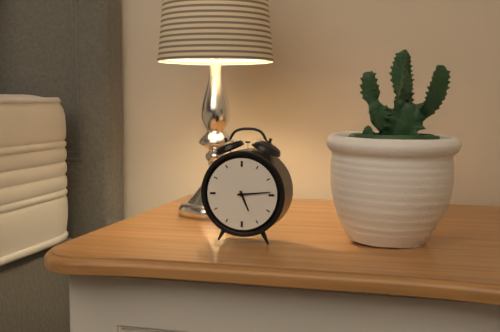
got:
5:14
